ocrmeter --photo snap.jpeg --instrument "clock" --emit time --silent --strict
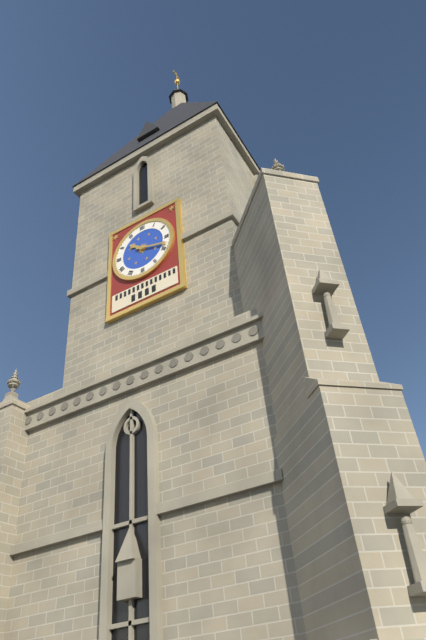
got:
10:18
